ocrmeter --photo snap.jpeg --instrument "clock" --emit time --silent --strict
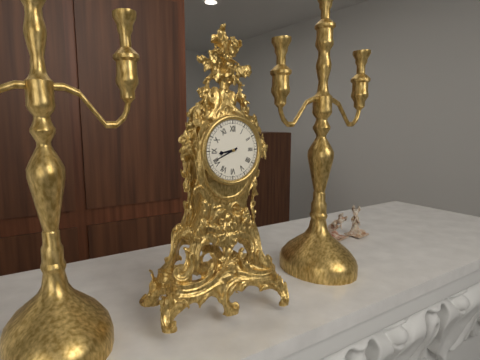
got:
8:41
